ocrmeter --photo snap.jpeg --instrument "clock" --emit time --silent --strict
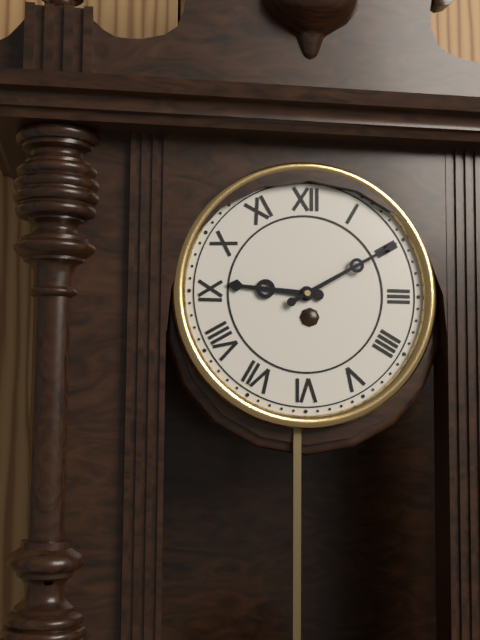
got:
9:10
